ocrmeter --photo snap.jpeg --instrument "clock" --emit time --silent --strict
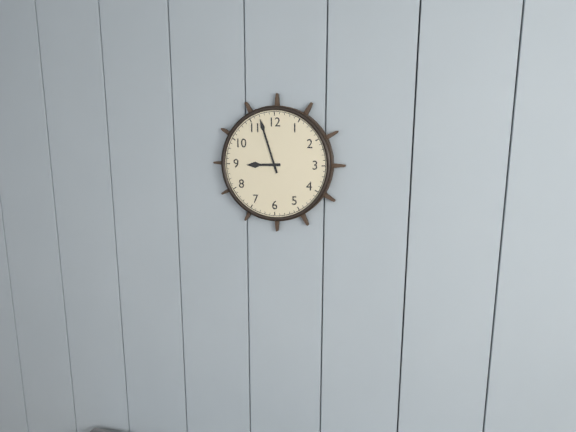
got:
8:57
